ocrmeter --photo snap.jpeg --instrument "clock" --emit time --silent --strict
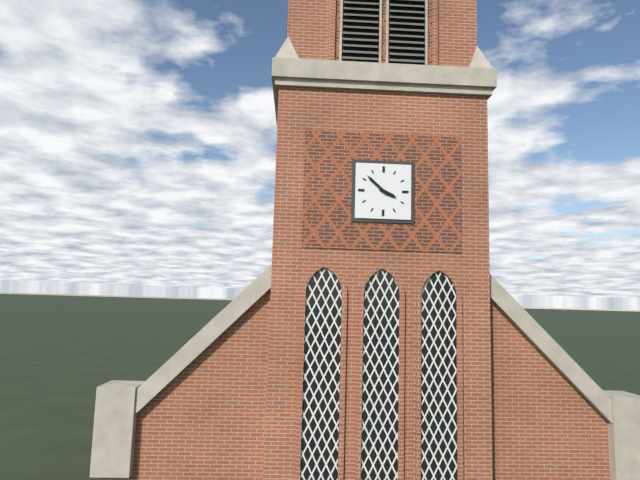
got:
3:52
